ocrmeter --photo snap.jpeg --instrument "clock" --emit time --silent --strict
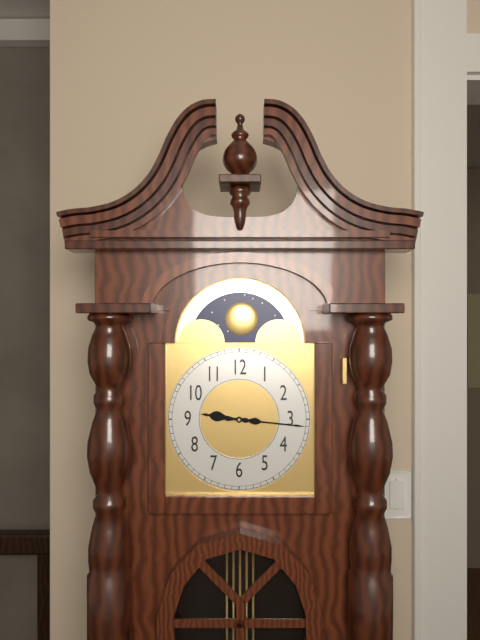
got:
9:16
